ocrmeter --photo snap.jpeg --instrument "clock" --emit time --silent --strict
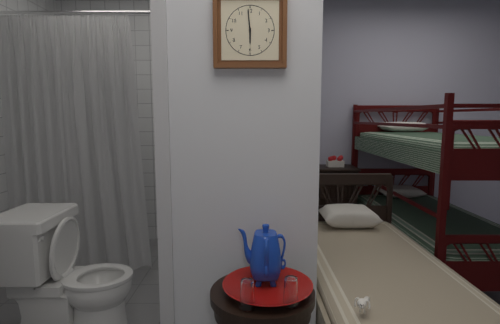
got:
5:59
